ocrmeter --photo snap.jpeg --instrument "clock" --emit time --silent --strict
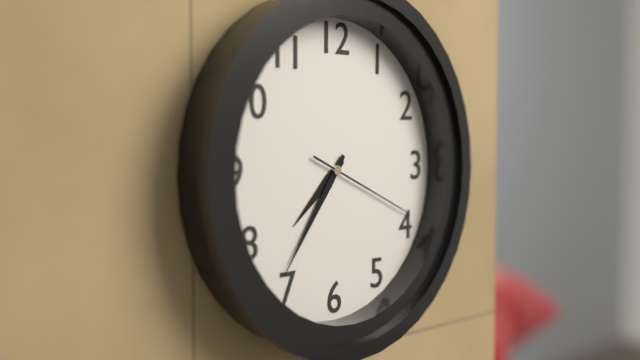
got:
7:36:19
